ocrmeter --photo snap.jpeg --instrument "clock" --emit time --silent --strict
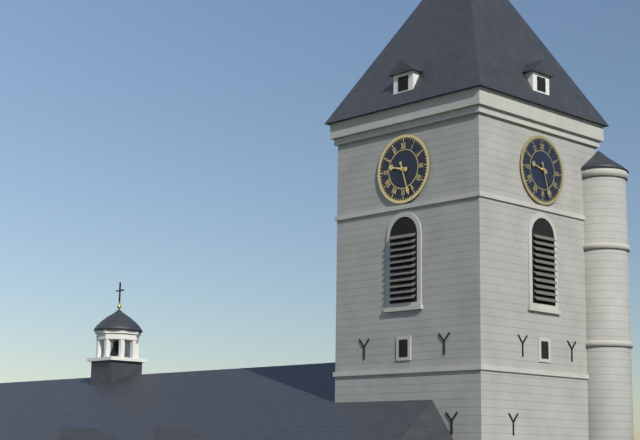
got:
9:27
